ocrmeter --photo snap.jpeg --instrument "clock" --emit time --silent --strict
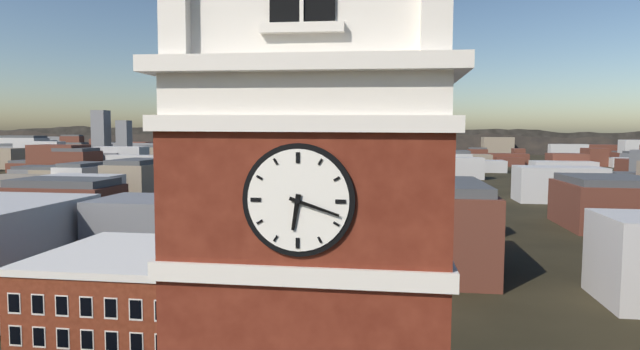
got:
6:18
